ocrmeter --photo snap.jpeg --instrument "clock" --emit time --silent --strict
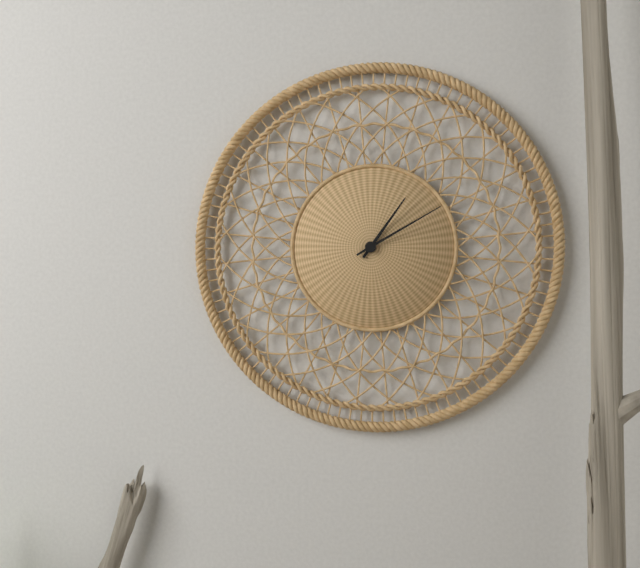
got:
1:10
